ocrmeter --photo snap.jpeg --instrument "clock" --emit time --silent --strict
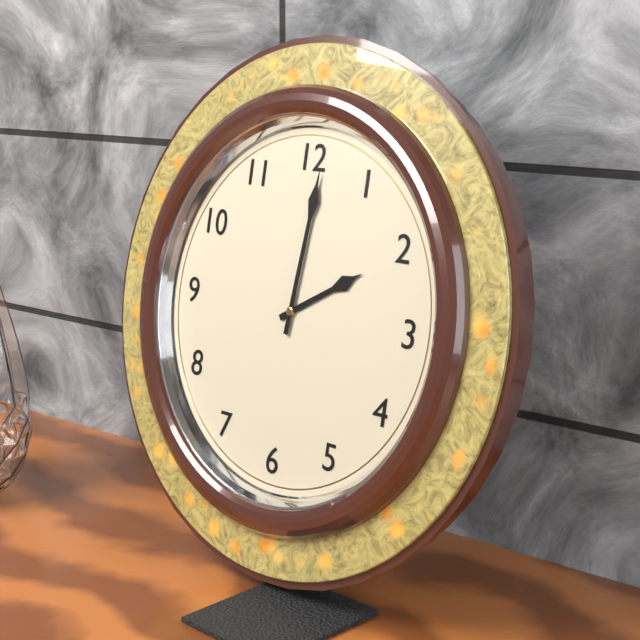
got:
2:01
